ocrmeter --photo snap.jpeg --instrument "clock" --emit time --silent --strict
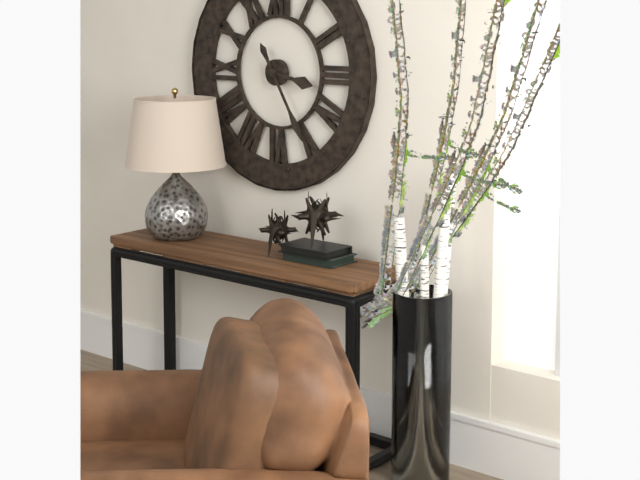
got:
3:25
